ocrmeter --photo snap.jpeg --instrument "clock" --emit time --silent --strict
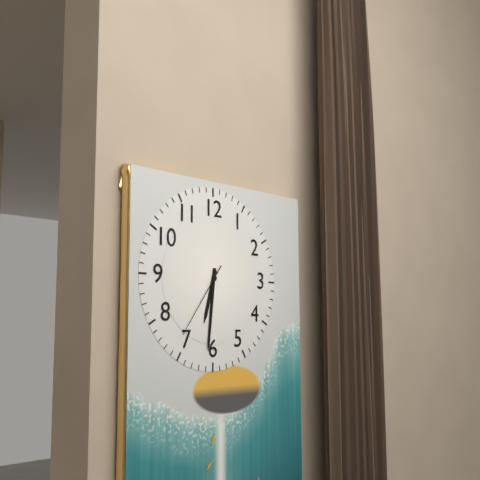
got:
6:31:36
